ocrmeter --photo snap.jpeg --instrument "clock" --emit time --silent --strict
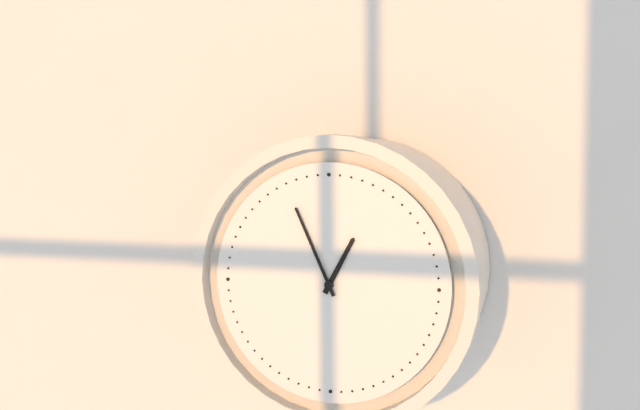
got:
12:56
